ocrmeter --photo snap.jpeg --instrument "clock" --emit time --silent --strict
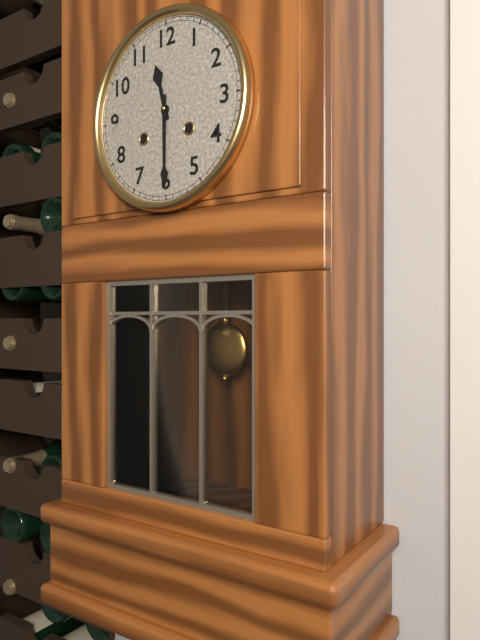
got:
11:30
